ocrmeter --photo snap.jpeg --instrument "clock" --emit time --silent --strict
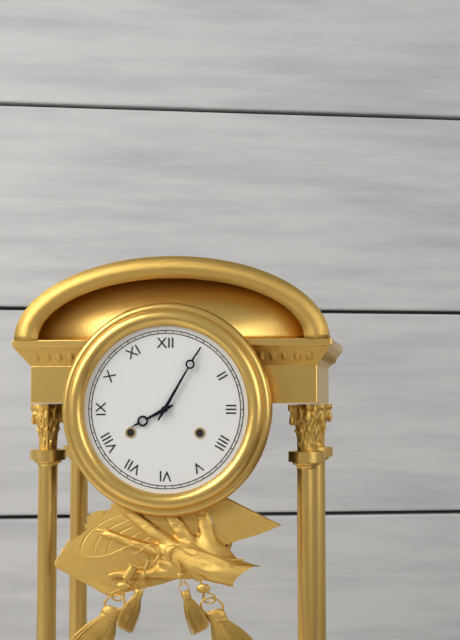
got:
8:05
